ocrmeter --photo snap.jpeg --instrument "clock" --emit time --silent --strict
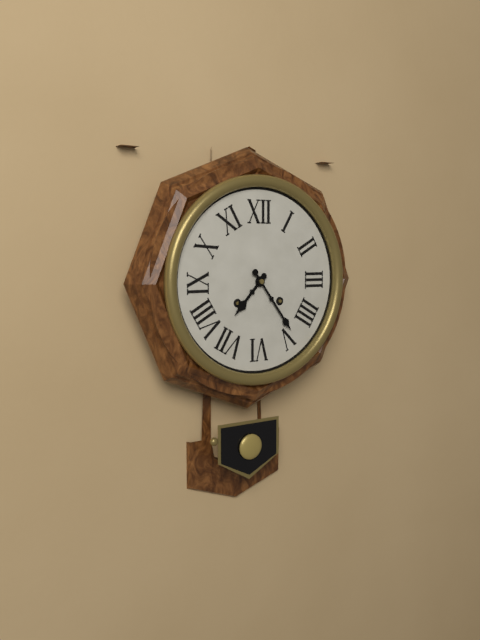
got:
7:24
